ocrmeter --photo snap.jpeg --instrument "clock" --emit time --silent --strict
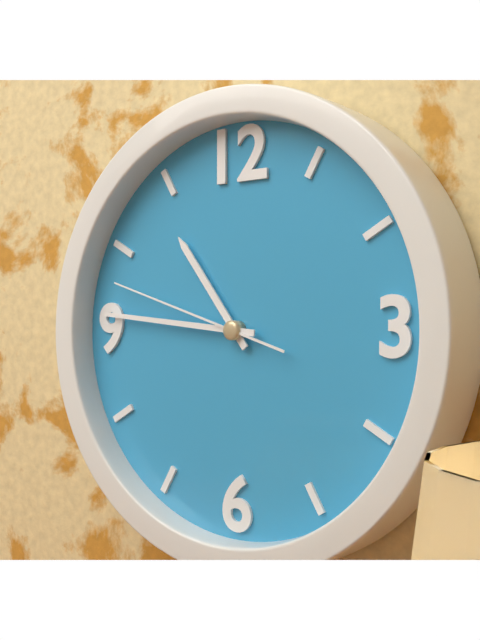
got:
10:46:48
